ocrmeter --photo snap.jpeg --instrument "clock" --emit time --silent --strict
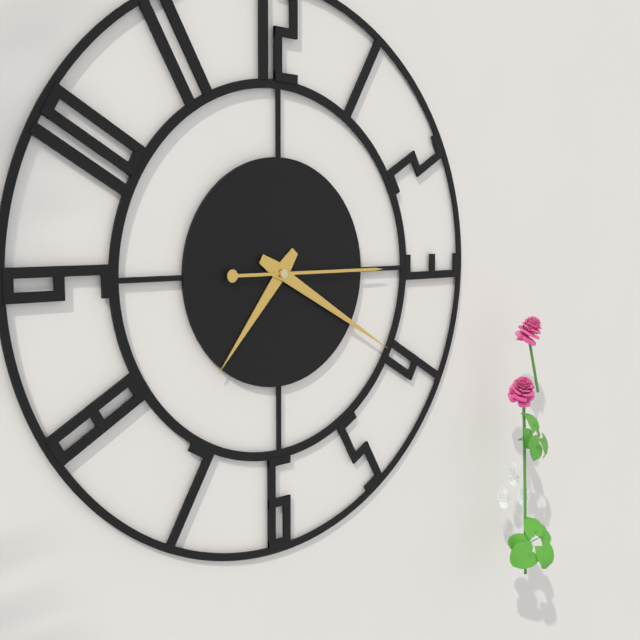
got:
7:20:15
